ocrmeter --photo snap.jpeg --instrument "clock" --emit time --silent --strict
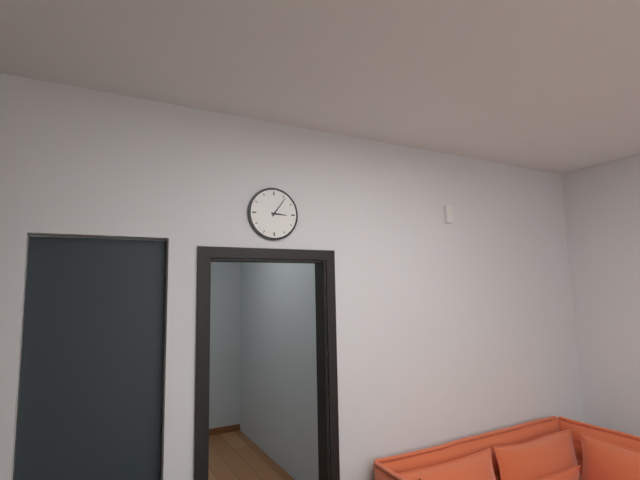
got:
3:06
